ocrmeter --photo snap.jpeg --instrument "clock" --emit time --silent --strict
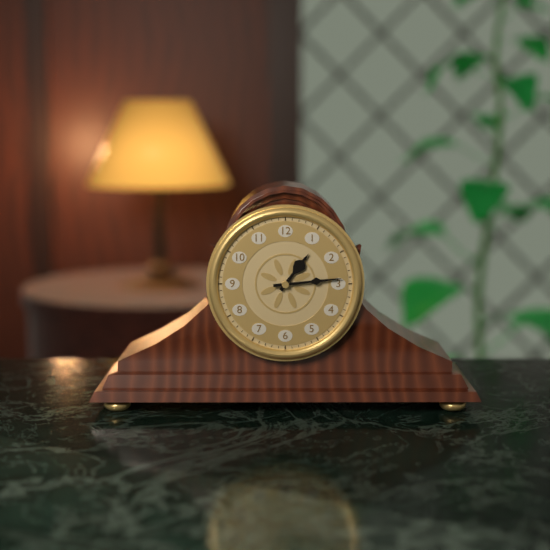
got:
1:14
